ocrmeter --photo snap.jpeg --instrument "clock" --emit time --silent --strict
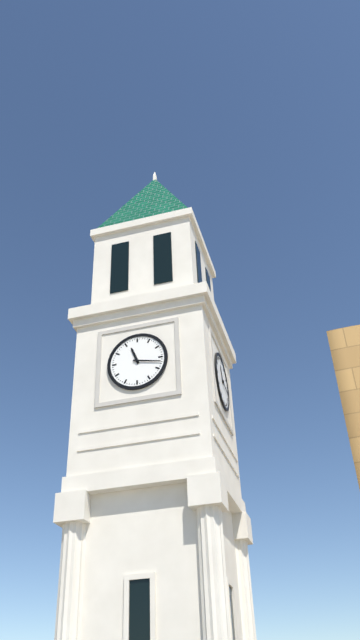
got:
11:17
